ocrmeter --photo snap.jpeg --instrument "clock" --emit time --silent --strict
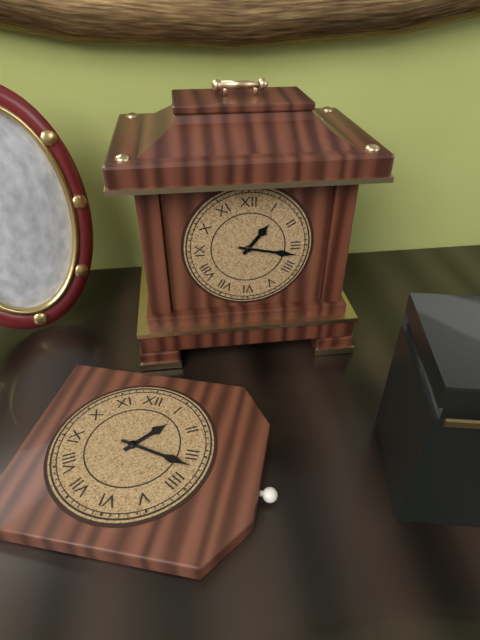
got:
1:17
